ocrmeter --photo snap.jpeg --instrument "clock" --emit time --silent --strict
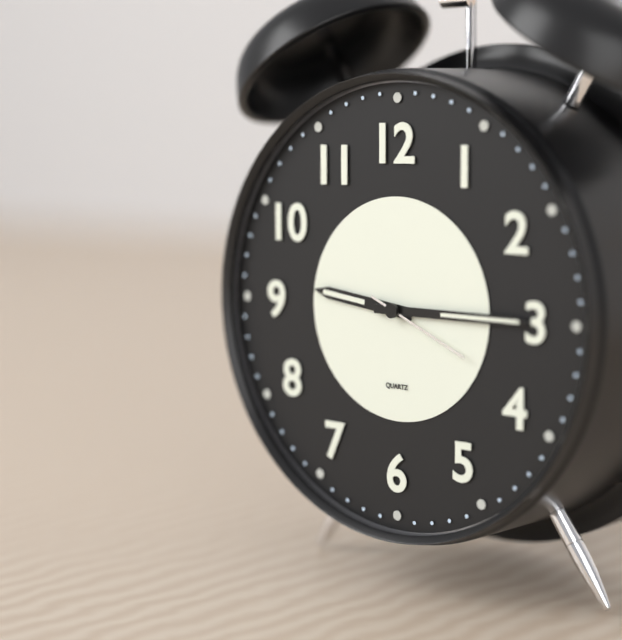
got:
9:15:19
